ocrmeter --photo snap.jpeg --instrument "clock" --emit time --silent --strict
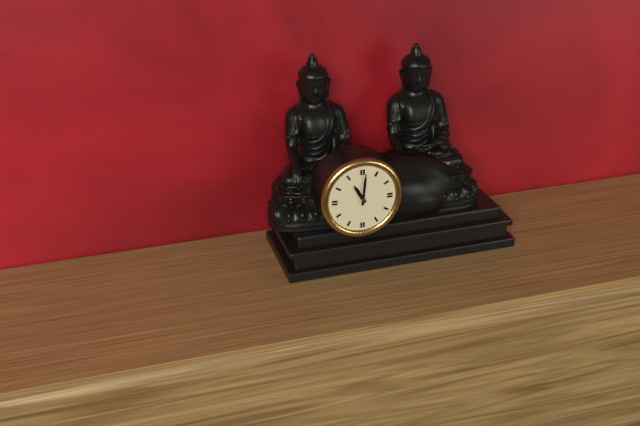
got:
11:01
